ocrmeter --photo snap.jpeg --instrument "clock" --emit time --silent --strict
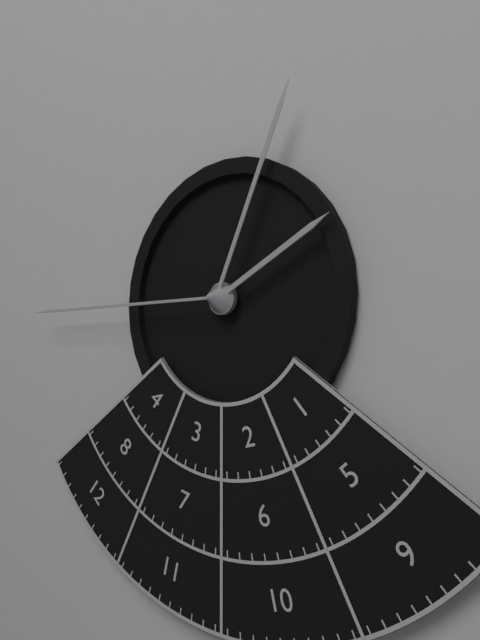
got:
2:04:45
